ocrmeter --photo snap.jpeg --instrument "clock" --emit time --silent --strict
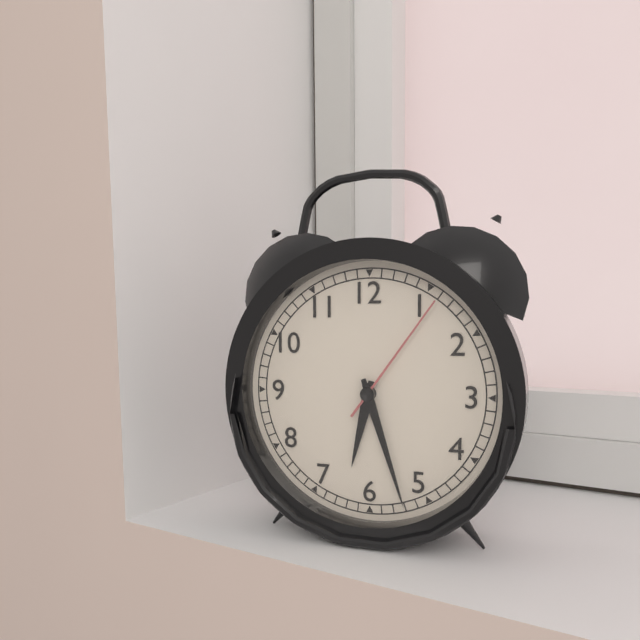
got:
6:27:06
